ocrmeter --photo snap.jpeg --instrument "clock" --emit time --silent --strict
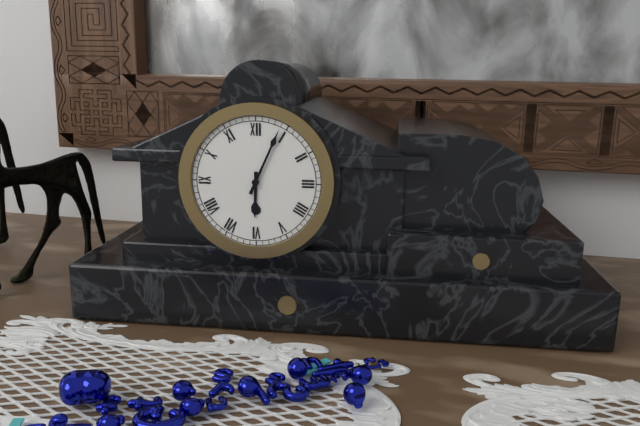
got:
6:04
